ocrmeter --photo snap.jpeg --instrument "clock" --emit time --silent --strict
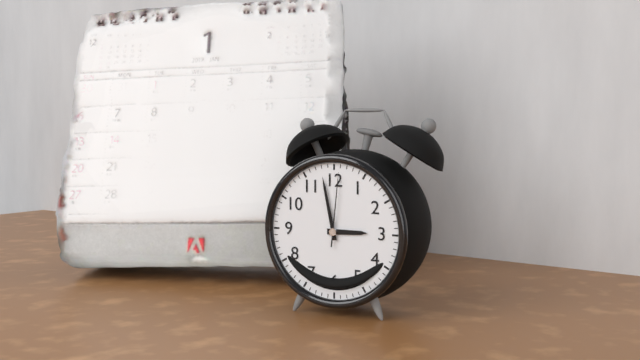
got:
2:58:01
